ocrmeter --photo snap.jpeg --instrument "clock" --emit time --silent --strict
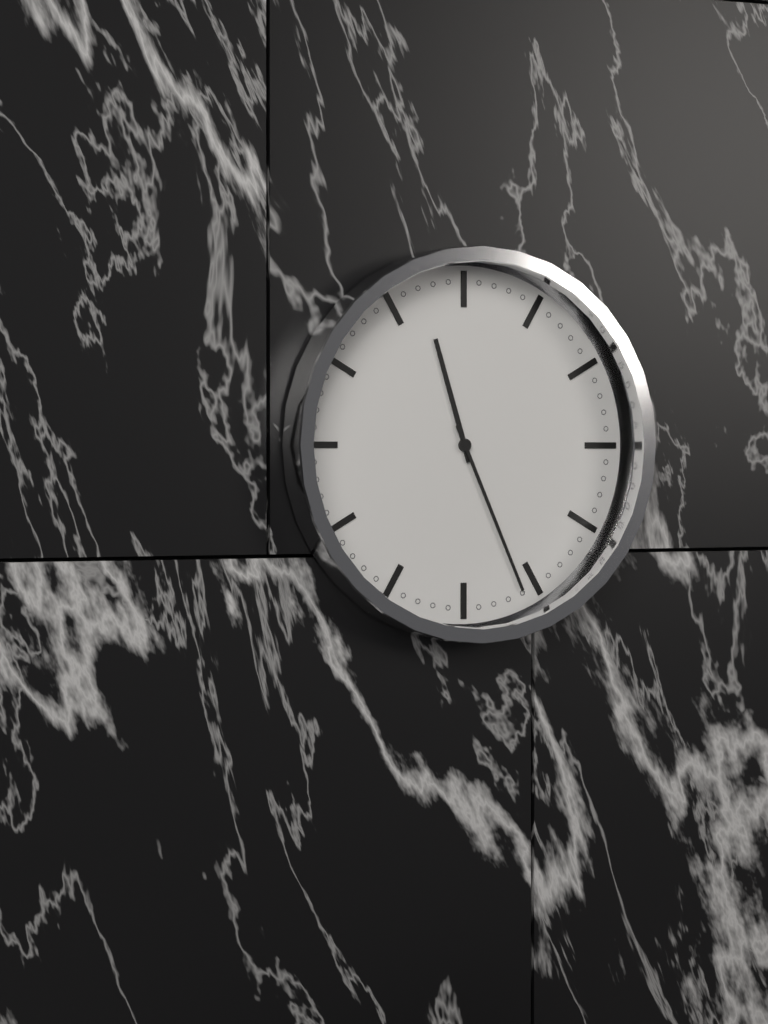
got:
11:26
